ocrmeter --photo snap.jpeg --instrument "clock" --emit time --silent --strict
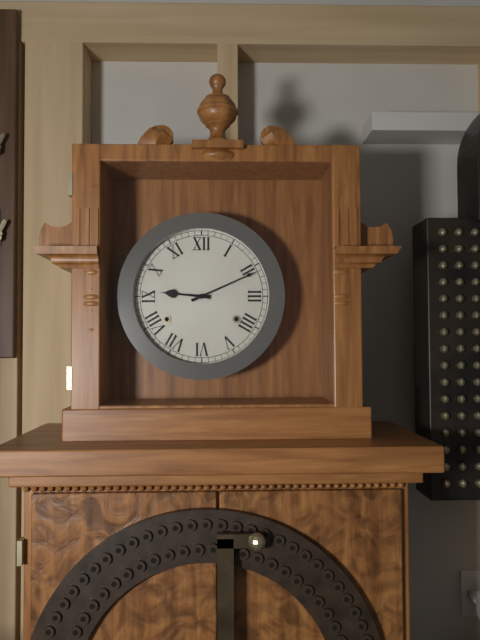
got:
9:11
